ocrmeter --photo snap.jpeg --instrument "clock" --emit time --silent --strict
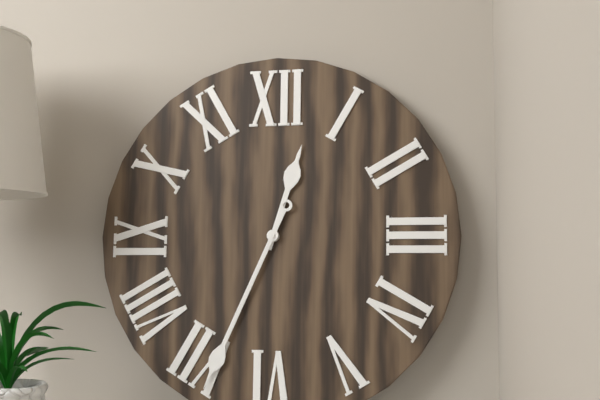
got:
12:34
